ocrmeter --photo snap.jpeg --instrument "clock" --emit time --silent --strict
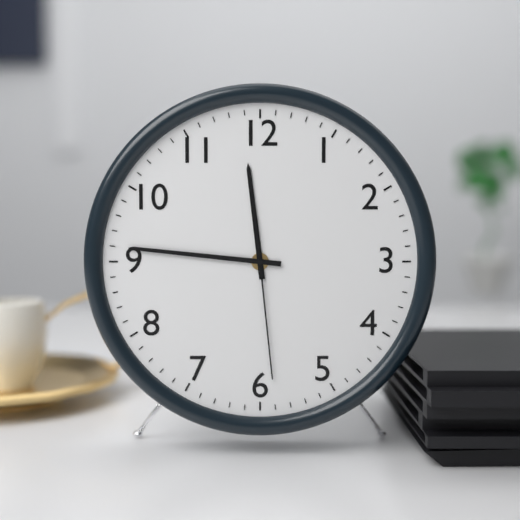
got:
11:46:29
